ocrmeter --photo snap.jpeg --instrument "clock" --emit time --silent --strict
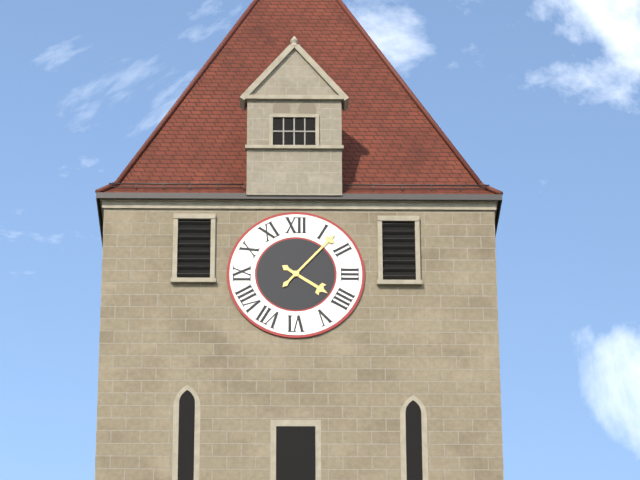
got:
4:07
